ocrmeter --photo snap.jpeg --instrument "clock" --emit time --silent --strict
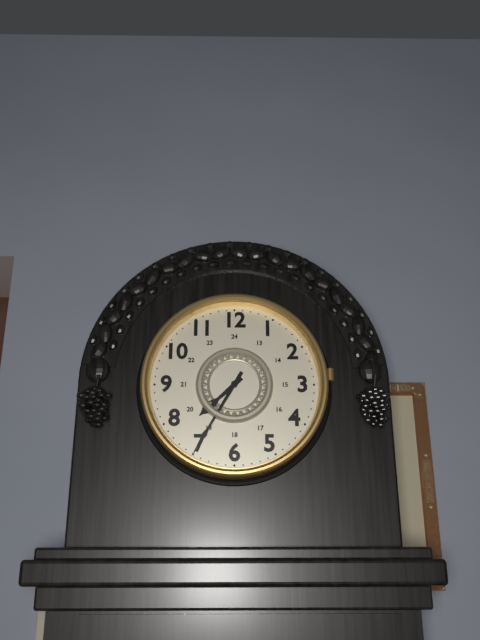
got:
7:35
